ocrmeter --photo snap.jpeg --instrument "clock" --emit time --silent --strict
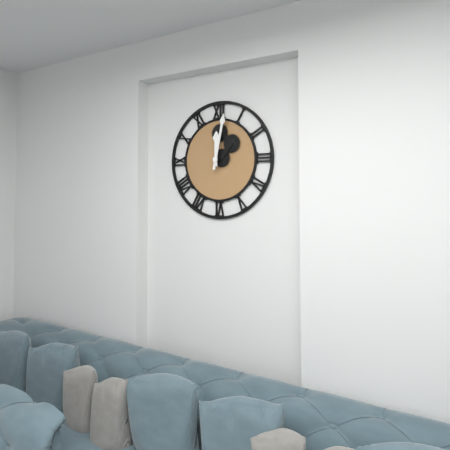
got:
12:02
